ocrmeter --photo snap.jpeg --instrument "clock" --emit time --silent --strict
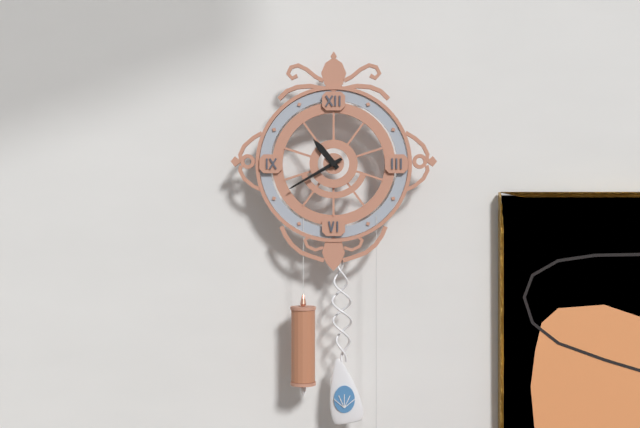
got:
10:40
